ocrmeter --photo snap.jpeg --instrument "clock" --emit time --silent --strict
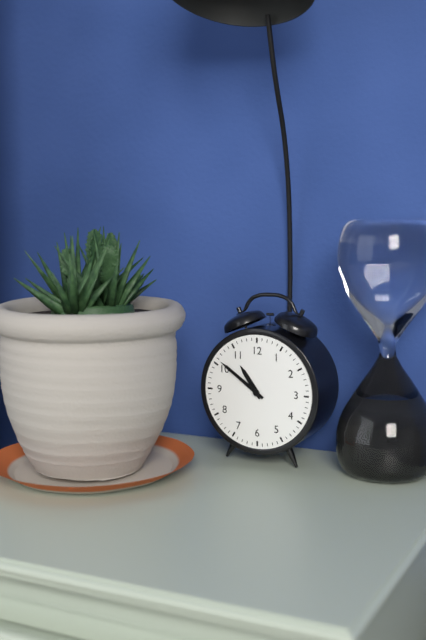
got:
10:51
